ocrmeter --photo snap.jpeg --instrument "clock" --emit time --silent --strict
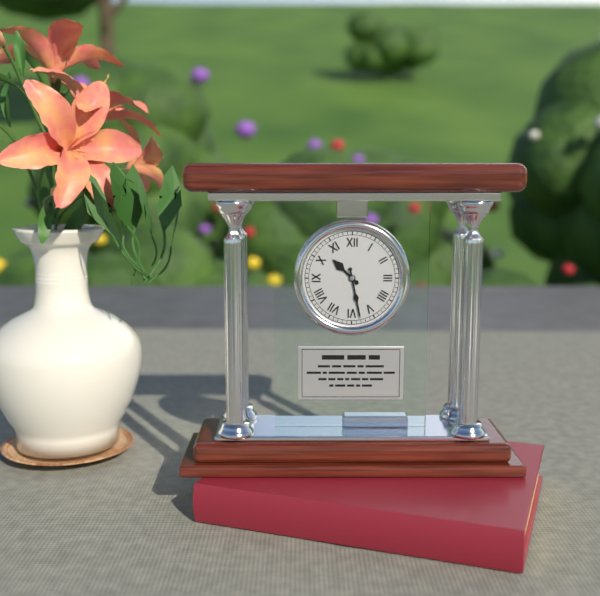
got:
10:28
